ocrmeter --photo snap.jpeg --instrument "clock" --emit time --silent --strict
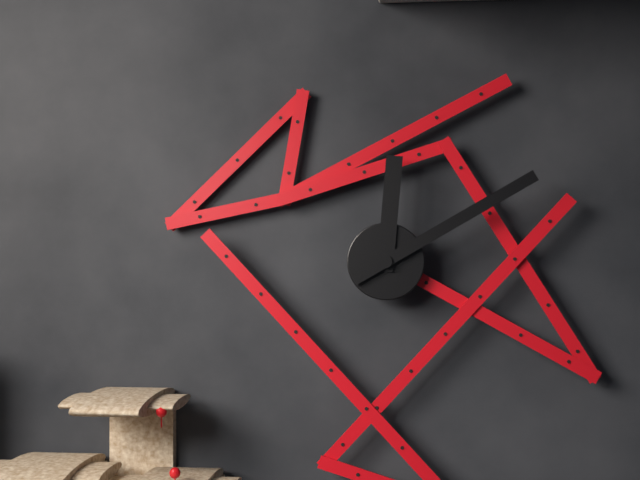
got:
12:10
